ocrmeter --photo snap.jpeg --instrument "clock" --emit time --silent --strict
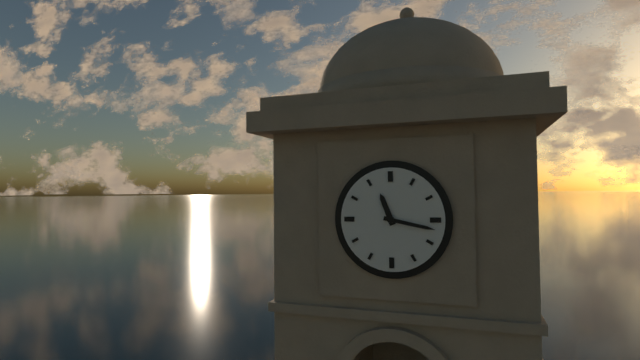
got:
11:17
